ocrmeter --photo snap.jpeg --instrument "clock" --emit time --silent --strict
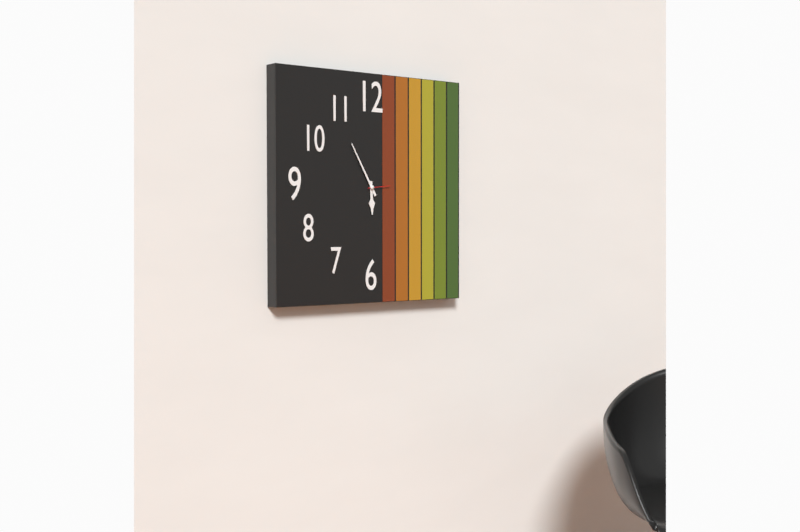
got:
5:55
